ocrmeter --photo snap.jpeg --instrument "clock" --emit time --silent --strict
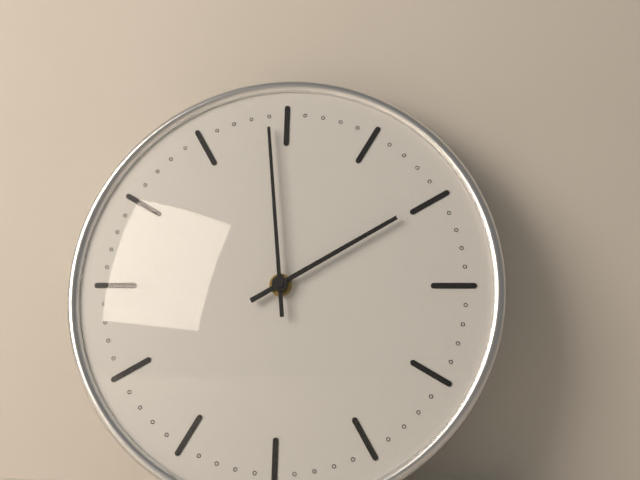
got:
1:59
